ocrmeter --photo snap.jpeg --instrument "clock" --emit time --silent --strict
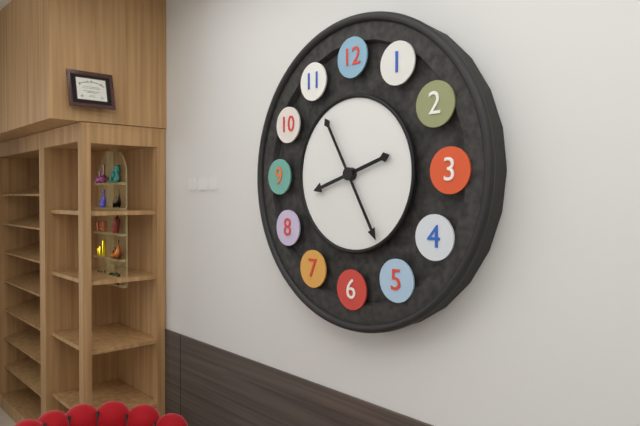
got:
8:25
